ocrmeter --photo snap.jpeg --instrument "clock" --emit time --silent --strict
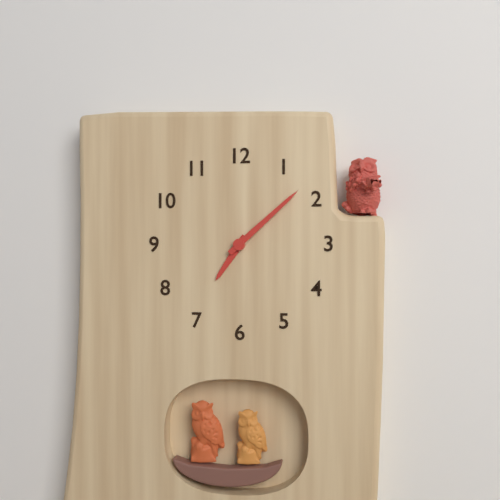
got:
7:08
